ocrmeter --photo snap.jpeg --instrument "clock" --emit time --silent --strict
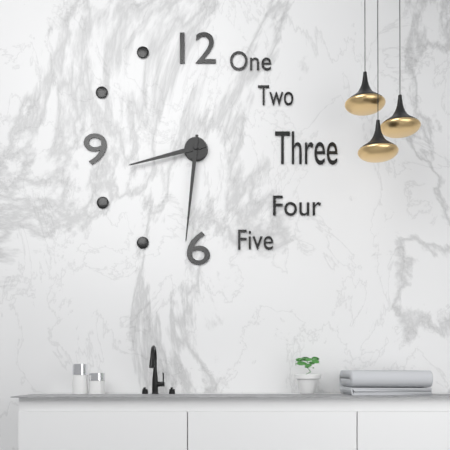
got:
8:31
